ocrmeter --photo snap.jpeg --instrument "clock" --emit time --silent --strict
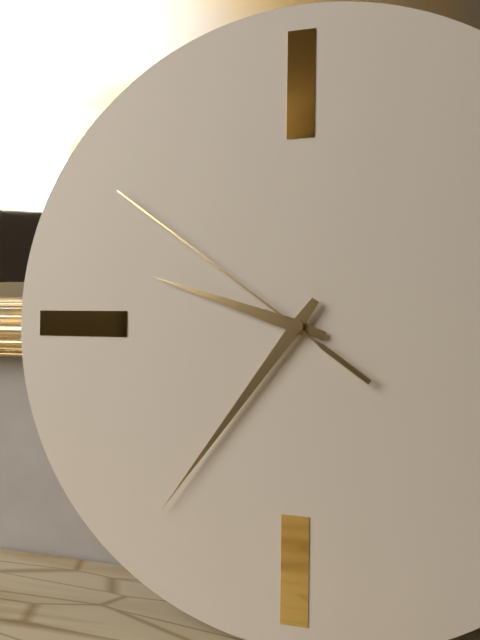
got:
9:36:51
